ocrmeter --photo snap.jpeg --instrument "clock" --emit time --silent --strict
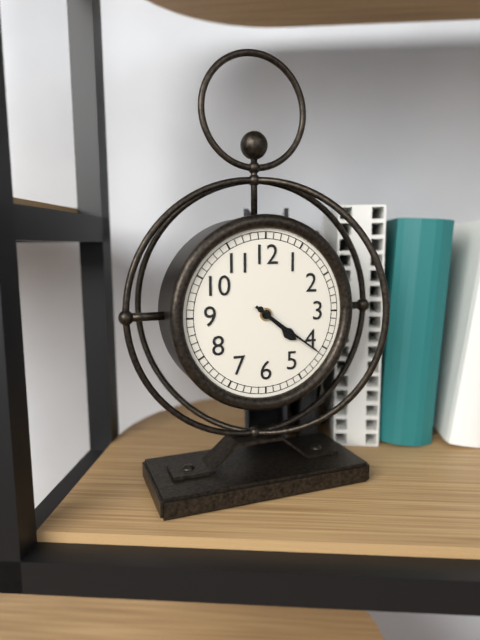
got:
4:21
